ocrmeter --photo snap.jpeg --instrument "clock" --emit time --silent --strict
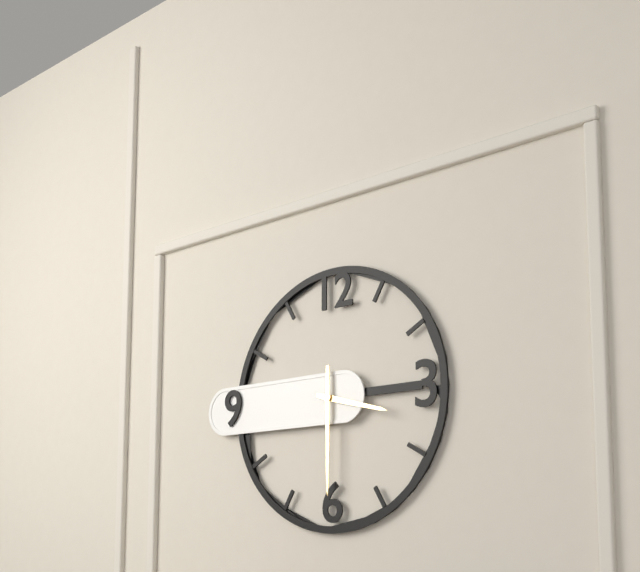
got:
3:30
